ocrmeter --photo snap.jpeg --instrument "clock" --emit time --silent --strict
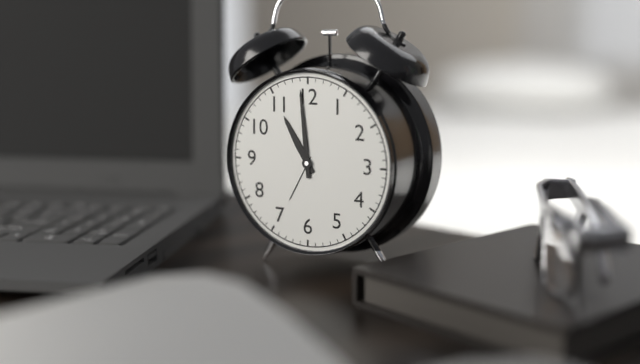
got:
10:59
